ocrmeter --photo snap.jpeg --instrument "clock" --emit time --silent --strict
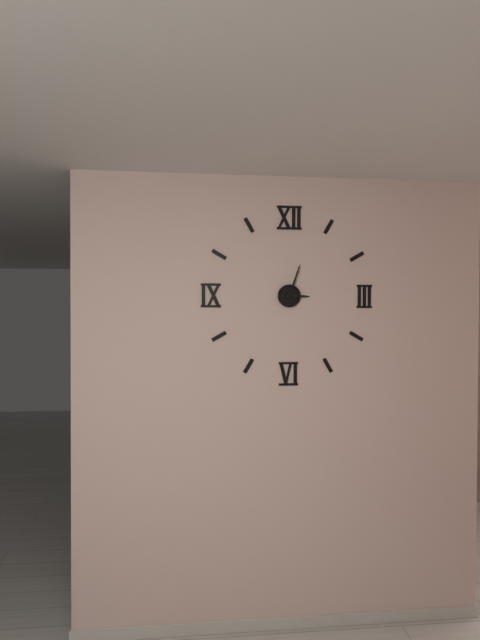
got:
3:03
